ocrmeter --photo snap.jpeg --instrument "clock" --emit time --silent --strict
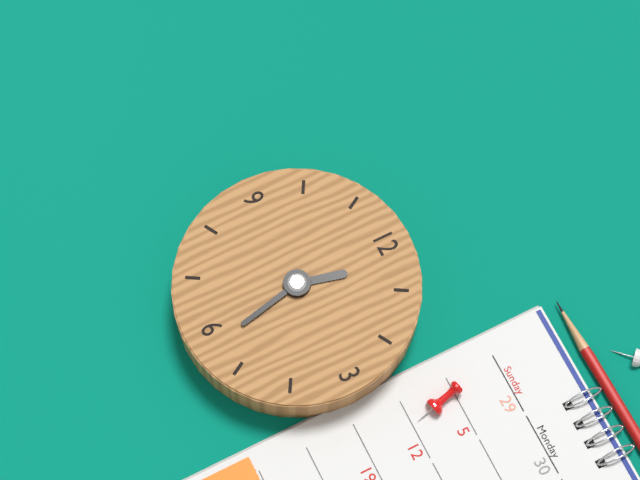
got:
12:28
